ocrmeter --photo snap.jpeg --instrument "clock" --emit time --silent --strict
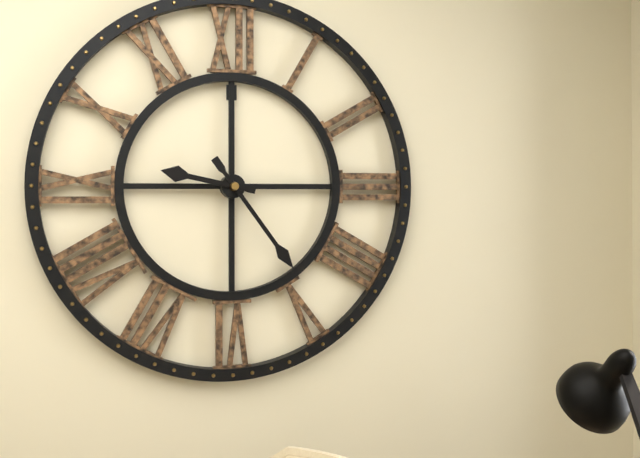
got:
9:24
